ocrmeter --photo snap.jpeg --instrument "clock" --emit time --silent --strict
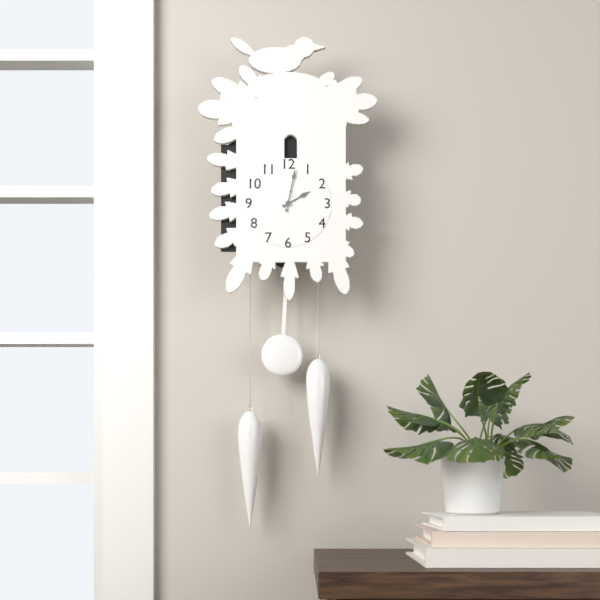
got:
2:02
